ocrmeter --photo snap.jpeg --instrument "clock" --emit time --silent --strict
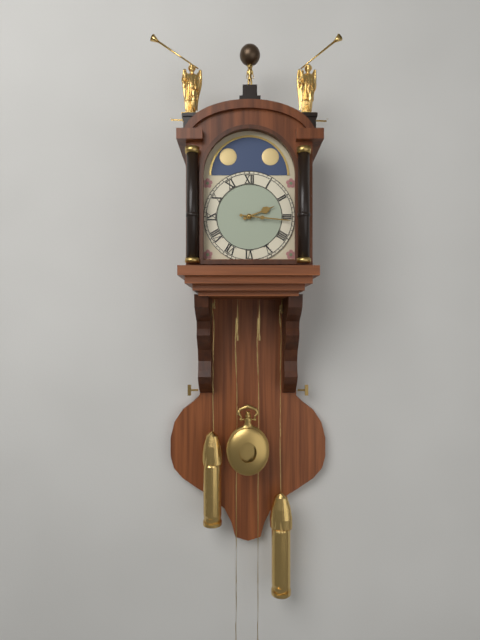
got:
2:16
